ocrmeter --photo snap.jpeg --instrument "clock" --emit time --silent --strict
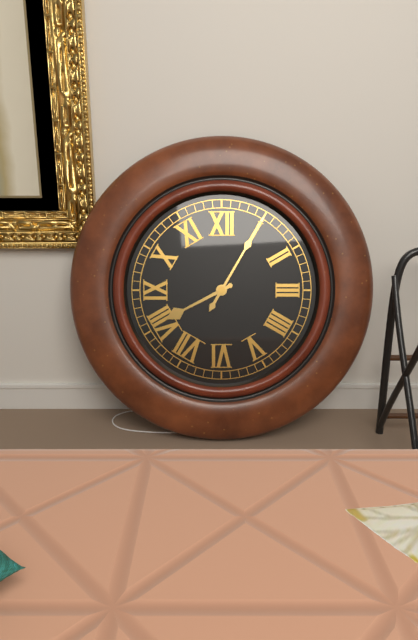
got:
8:05
